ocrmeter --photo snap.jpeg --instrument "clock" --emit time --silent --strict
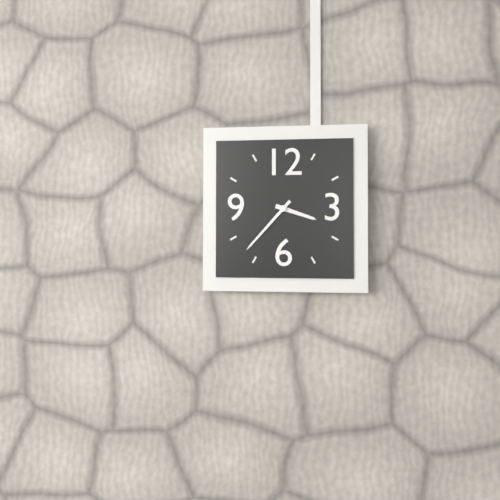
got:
3:37
